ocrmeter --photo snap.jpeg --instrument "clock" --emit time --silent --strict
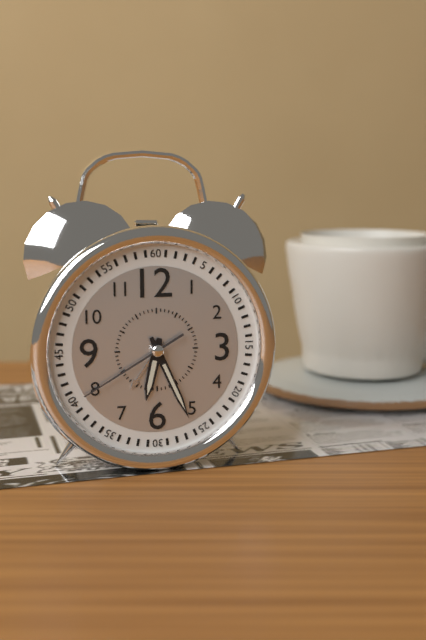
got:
6:26:40
